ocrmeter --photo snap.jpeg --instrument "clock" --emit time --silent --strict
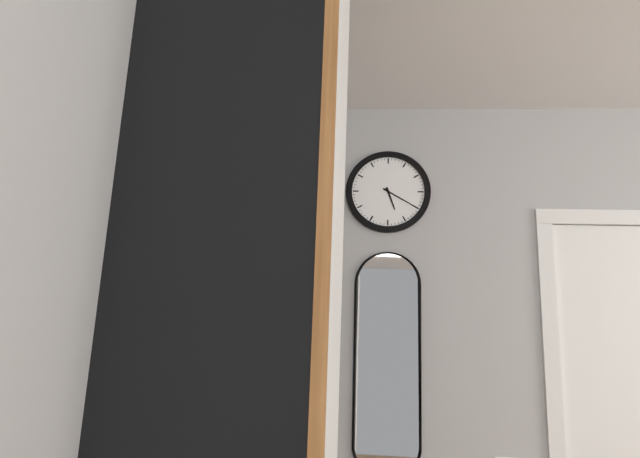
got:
5:20
